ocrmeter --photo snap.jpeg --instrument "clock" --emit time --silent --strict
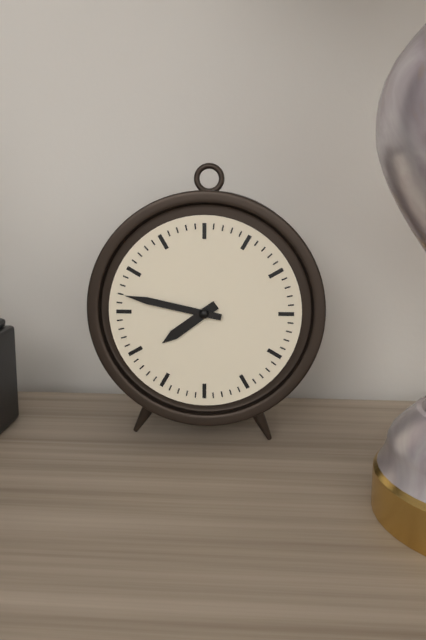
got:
7:47
